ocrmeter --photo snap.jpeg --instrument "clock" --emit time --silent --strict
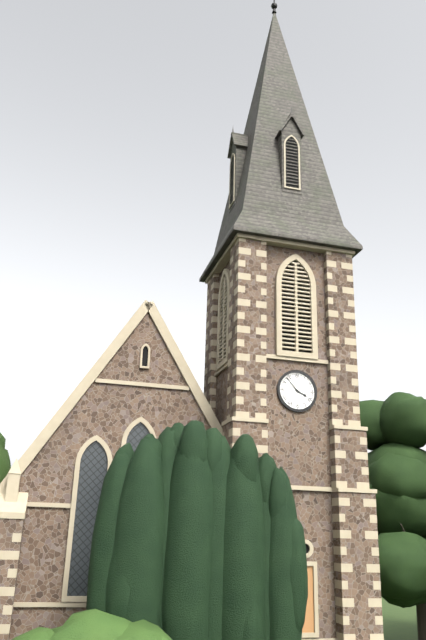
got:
3:53
